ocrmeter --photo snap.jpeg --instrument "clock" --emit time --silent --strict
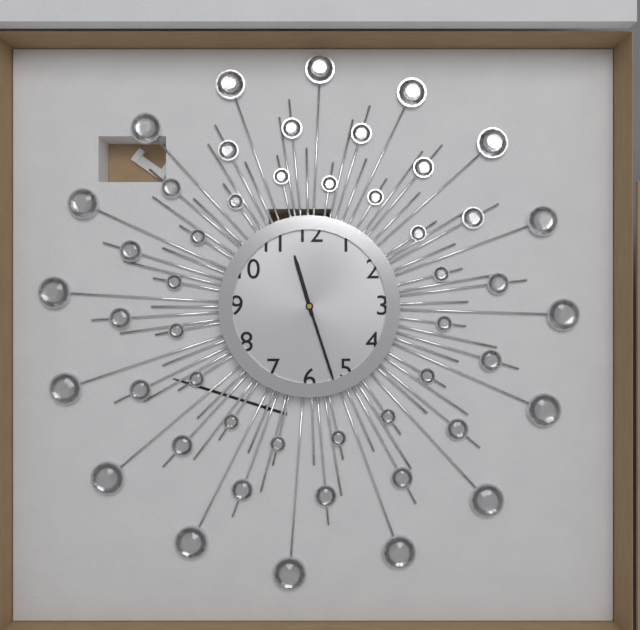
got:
11:27
